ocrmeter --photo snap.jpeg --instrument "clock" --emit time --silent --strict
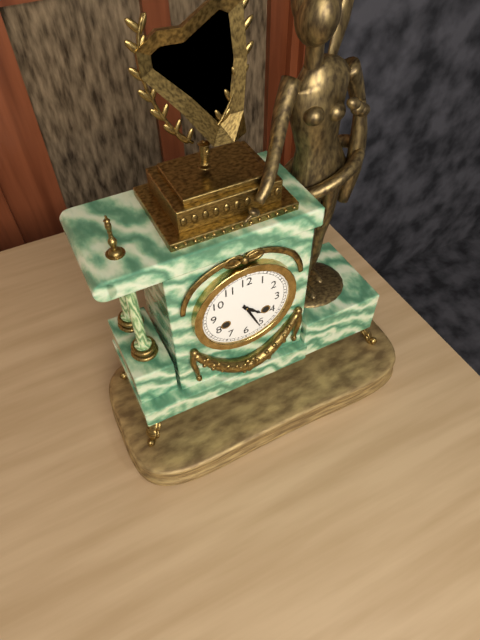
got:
4:26
